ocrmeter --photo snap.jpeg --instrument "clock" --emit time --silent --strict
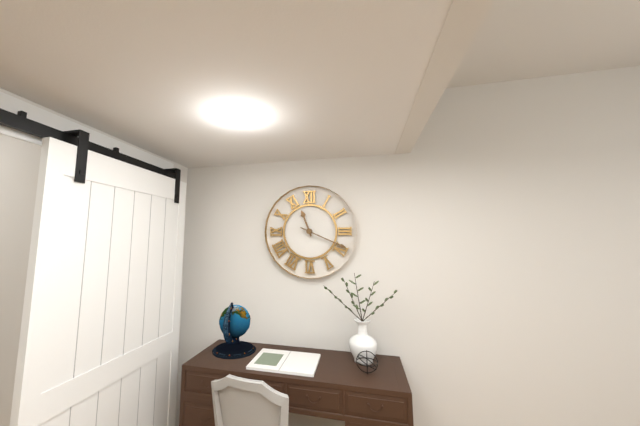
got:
11:19
